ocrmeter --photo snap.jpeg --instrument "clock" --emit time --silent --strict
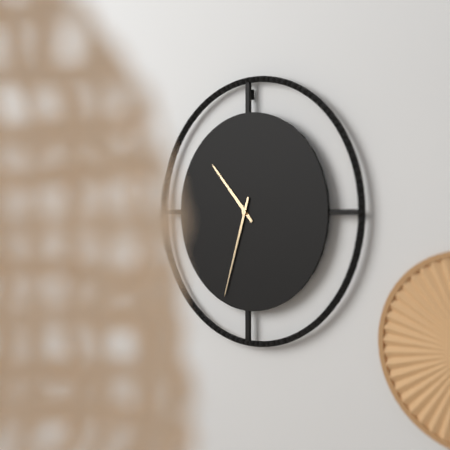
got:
10:33
